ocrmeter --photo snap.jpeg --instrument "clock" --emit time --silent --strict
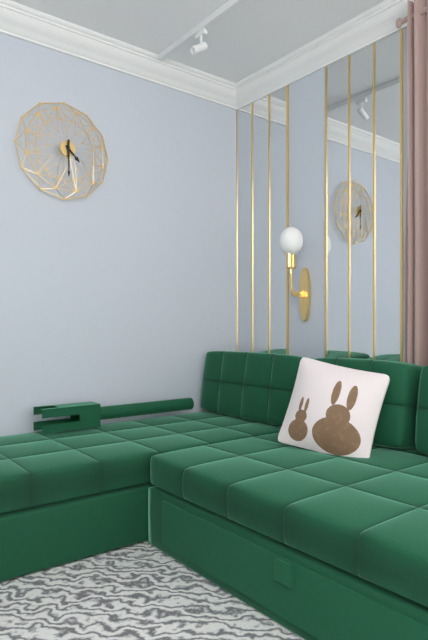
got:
4:30
